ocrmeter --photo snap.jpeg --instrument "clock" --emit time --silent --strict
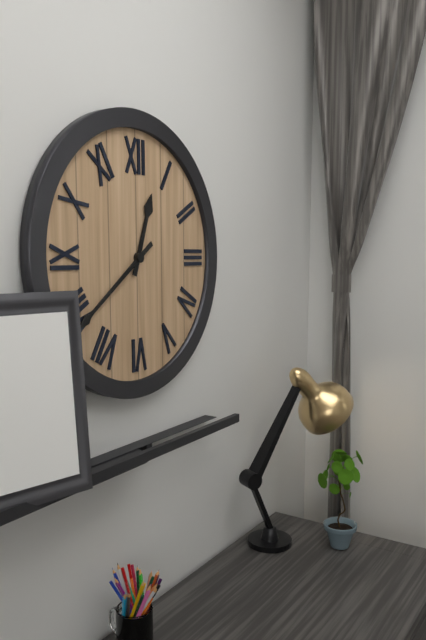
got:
12:39
